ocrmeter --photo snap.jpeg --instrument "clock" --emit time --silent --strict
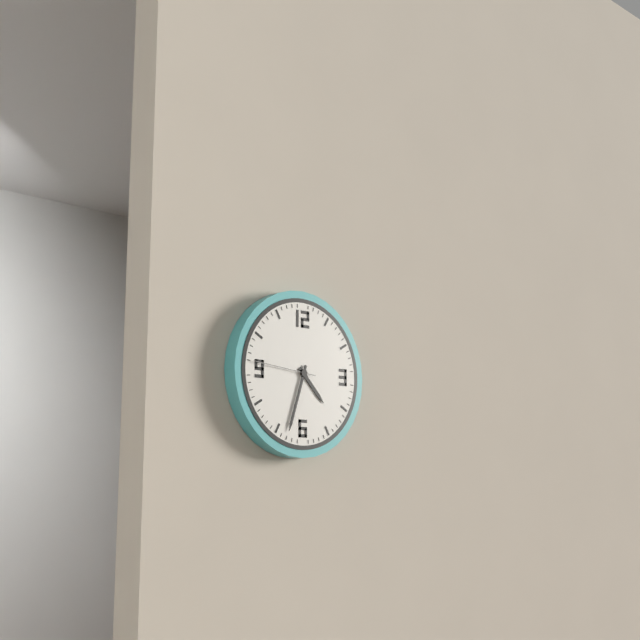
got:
4:33
